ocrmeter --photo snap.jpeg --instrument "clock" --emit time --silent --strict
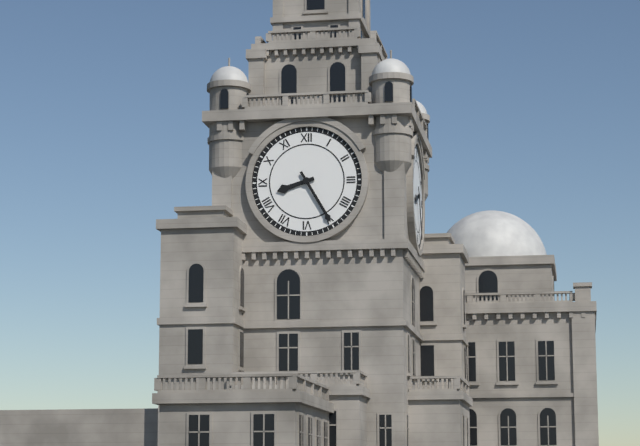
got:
8:25
